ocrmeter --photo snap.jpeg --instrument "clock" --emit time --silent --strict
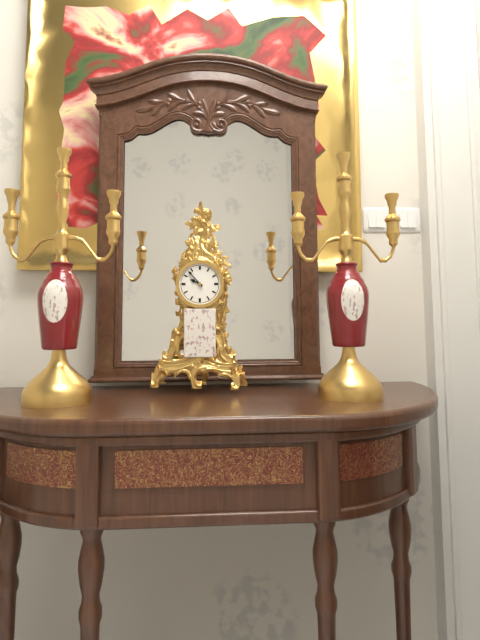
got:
9:53
